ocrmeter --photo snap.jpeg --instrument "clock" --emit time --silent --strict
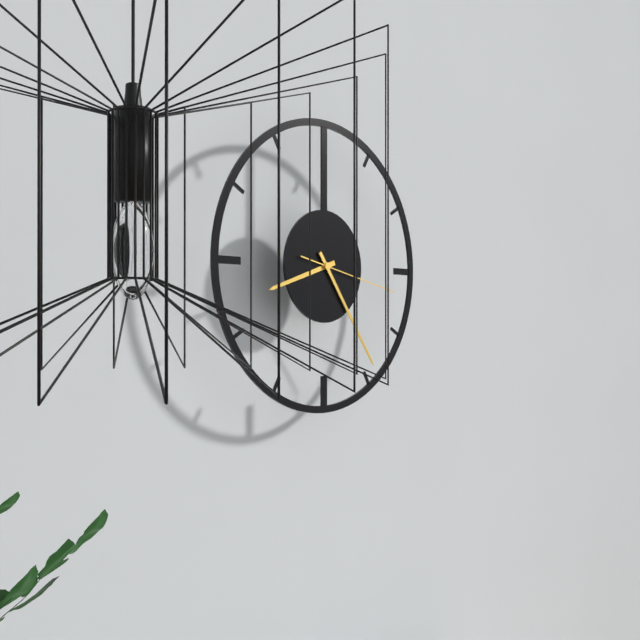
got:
8:24:17
